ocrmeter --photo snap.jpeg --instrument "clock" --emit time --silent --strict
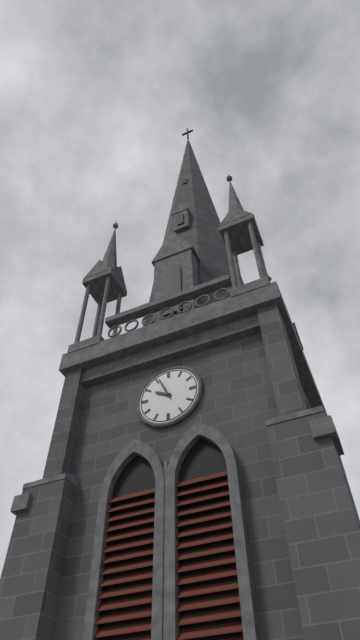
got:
9:56
